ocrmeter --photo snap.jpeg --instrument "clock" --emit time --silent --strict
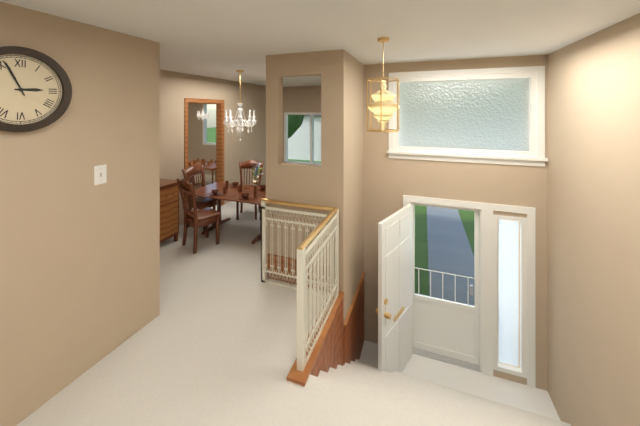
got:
2:56
